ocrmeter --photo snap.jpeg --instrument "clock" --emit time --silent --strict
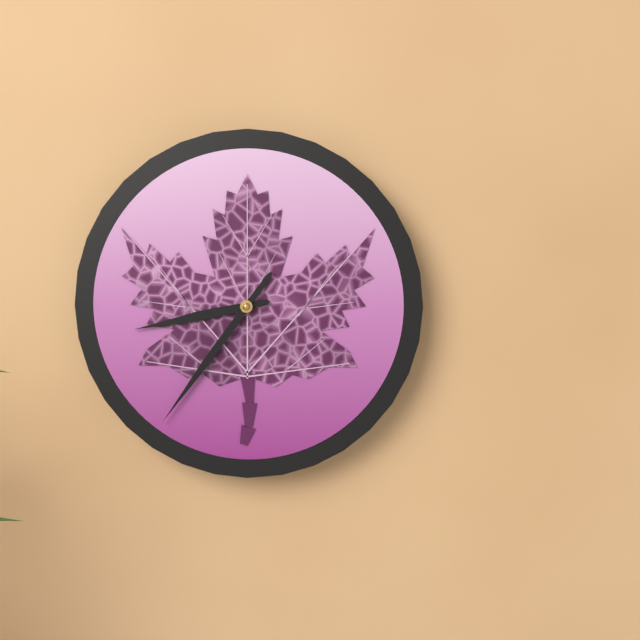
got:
8:36
